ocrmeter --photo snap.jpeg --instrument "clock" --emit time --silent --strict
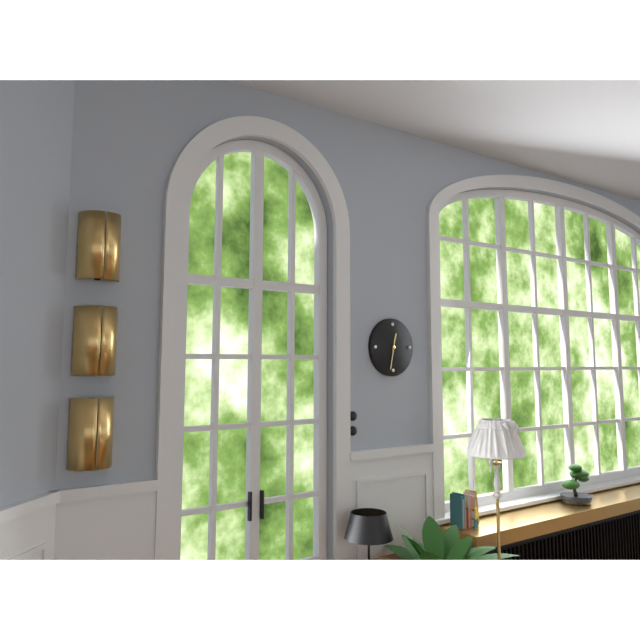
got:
12:32
